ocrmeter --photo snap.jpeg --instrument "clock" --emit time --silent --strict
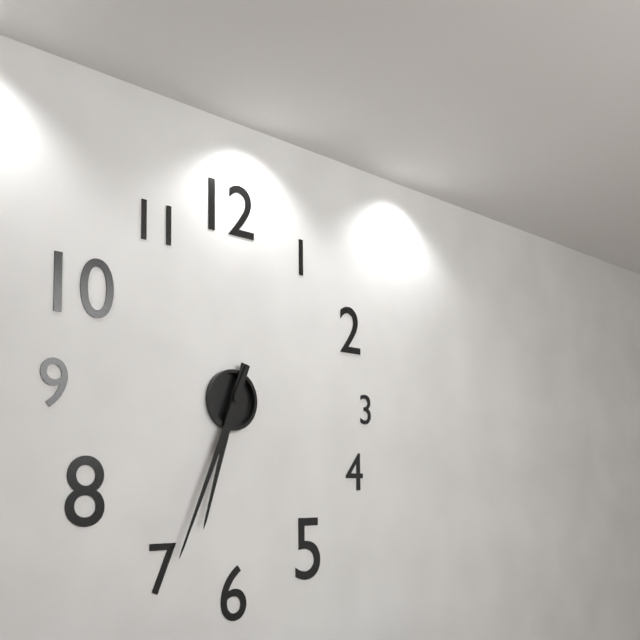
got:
6:34
